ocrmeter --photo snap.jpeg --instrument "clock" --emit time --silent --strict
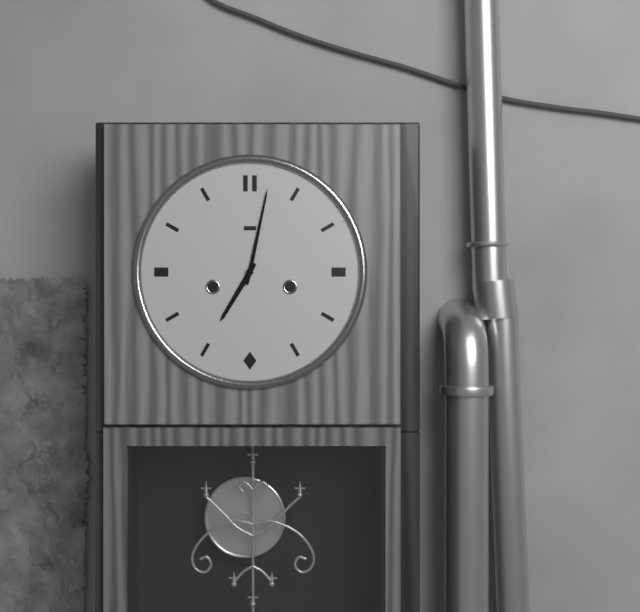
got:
7:02
